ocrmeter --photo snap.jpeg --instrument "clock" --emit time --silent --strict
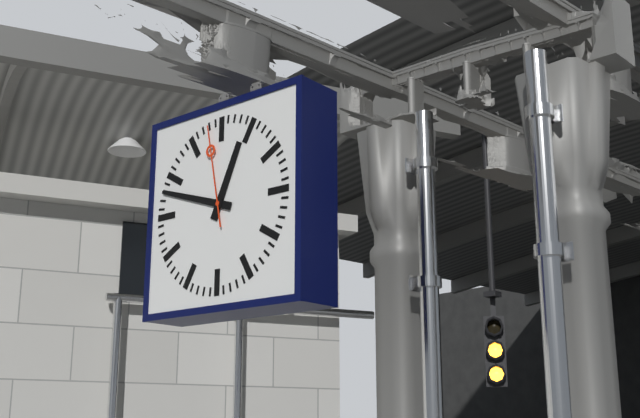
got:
12:48:58
